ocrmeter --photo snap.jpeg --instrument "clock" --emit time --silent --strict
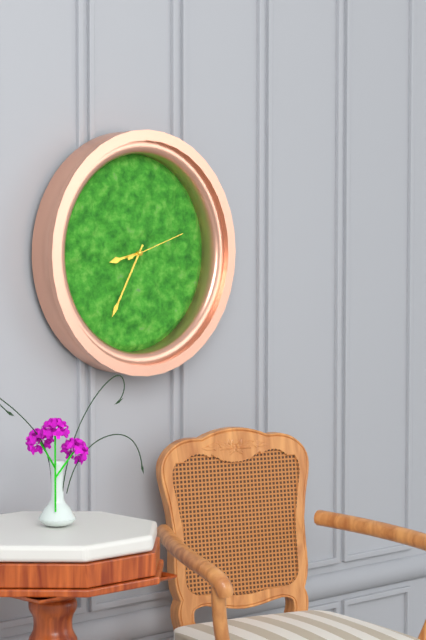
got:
8:35:12
